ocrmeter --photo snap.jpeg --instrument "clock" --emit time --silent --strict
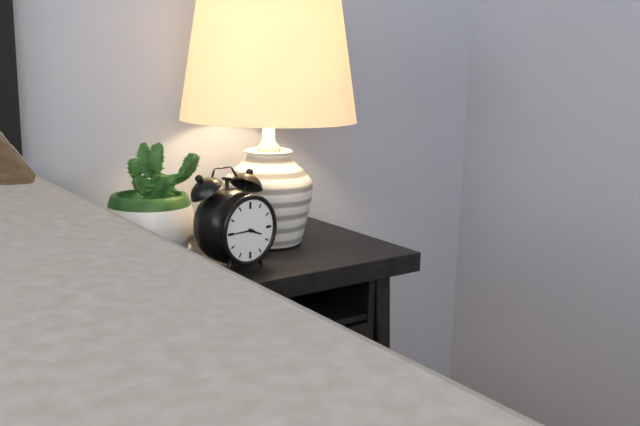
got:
3:45
